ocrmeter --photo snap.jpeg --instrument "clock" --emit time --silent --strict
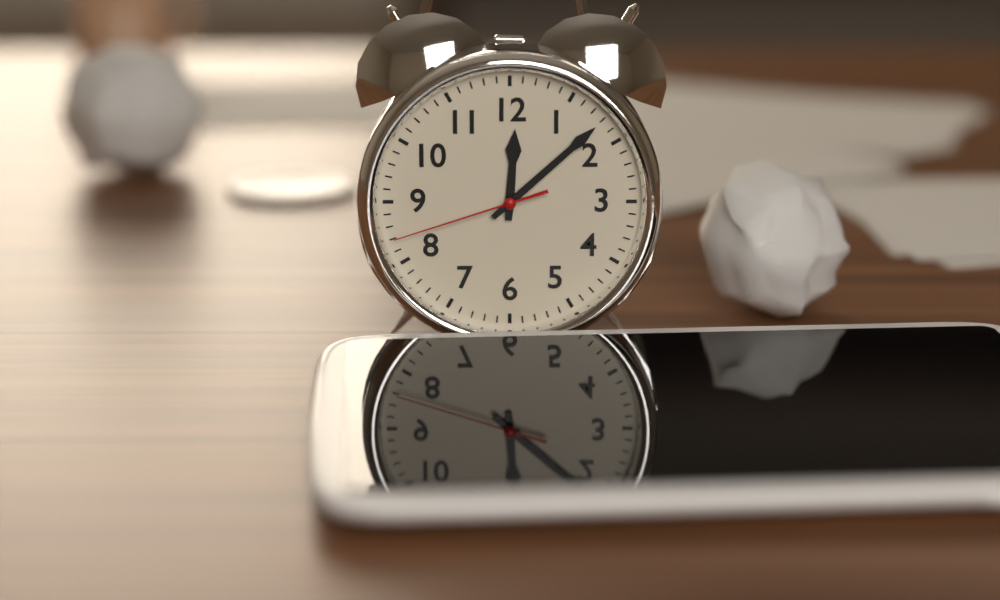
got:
12:08:42
